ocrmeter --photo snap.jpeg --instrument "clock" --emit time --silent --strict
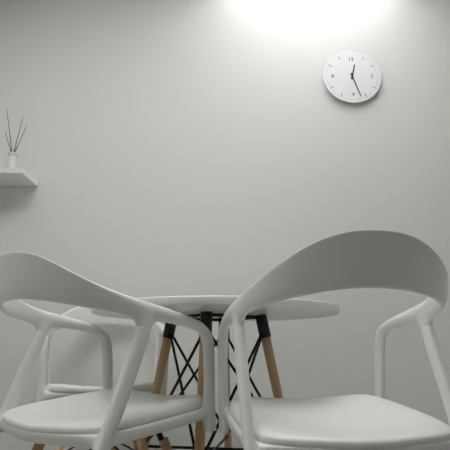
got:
12:27
